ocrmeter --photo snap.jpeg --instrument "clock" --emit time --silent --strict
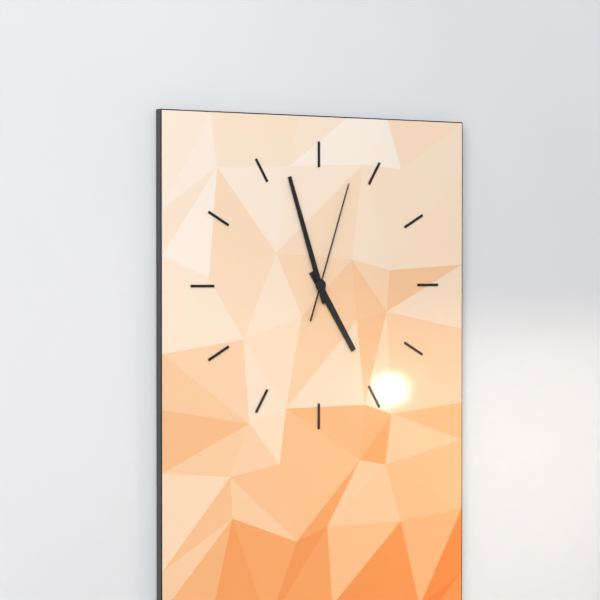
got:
4:57:03
